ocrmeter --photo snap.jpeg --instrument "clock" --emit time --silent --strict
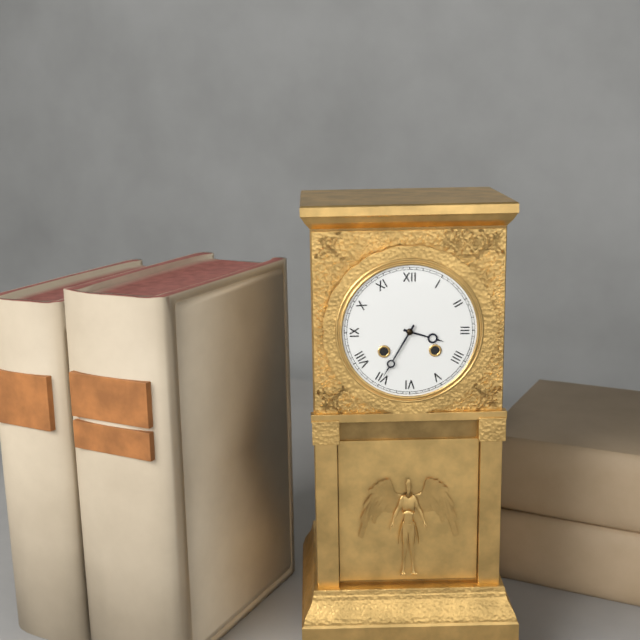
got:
3:35
